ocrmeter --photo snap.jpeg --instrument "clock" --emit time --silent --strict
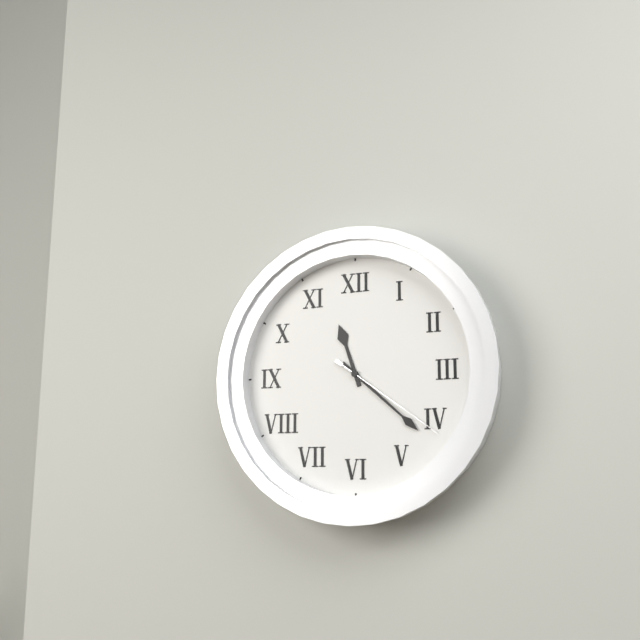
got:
11:22:21
